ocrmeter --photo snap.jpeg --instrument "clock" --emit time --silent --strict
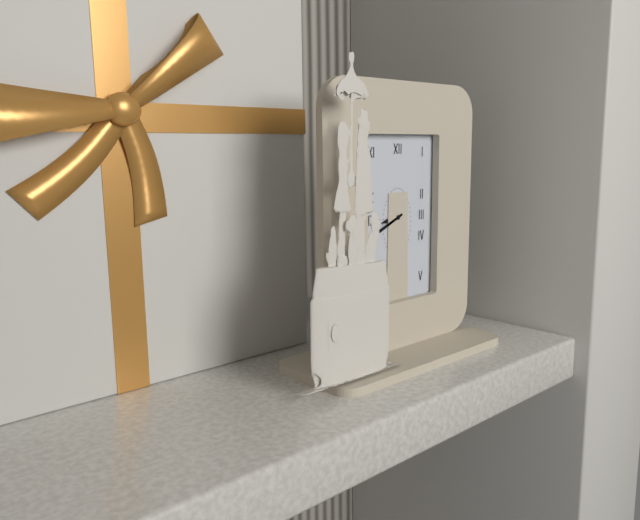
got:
8:41
